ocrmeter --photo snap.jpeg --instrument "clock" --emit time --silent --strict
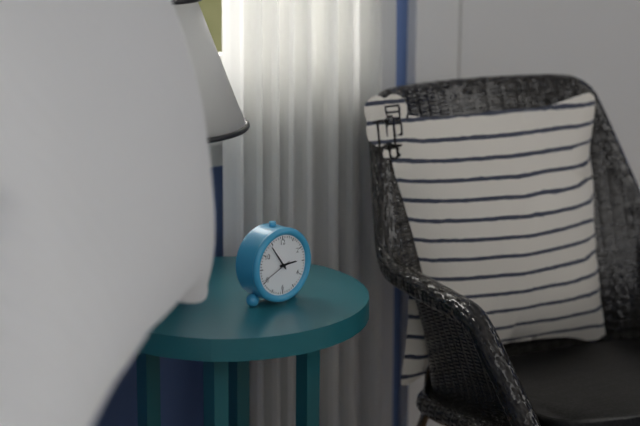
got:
2:54
